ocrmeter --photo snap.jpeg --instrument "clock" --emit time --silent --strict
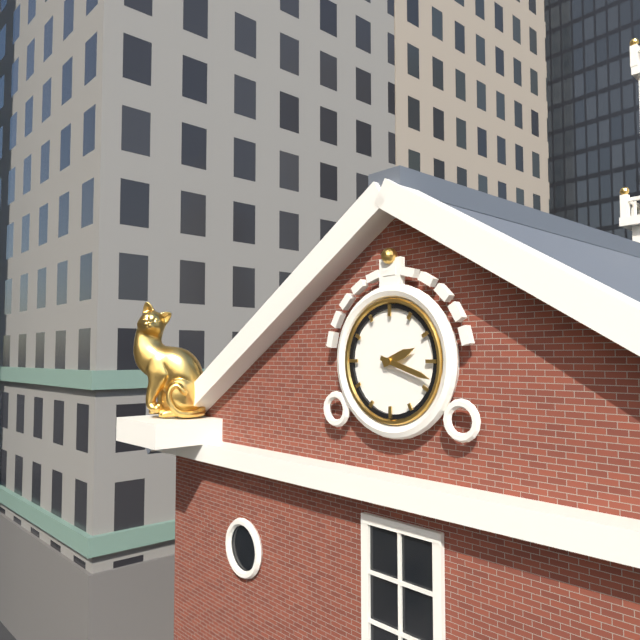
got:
2:18
